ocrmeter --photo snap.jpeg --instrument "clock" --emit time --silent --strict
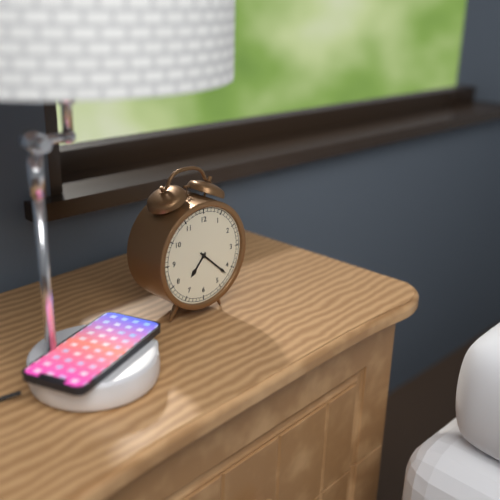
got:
7:22
